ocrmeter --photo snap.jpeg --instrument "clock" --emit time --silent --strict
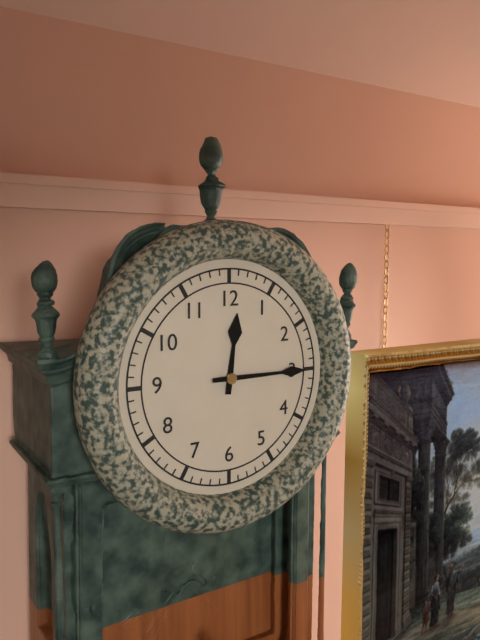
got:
12:15
